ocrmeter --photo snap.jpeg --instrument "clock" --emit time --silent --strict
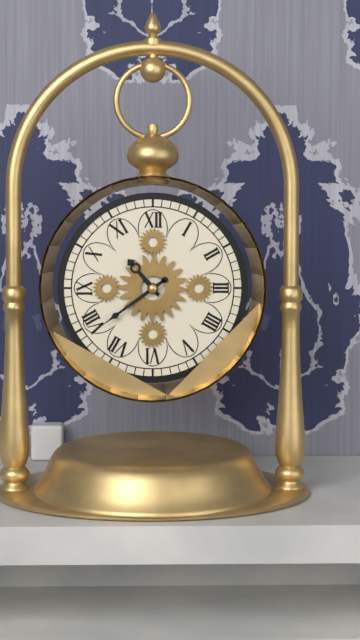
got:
10:39
